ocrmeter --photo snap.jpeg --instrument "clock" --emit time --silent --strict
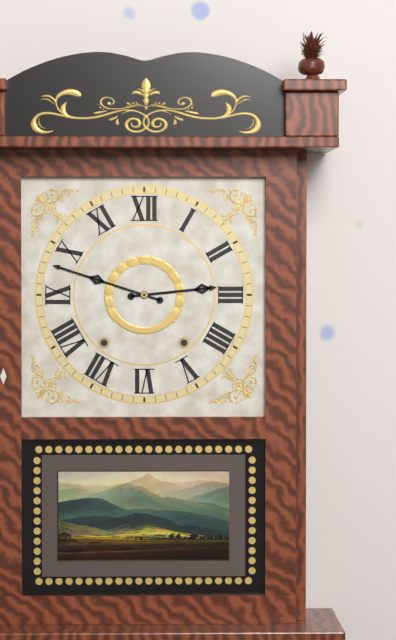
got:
2:48
